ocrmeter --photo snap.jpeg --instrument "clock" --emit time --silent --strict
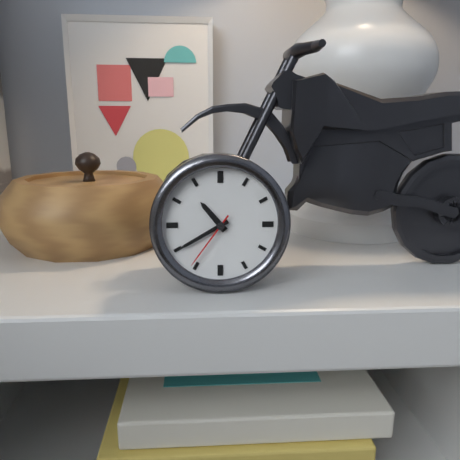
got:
10:40:36
